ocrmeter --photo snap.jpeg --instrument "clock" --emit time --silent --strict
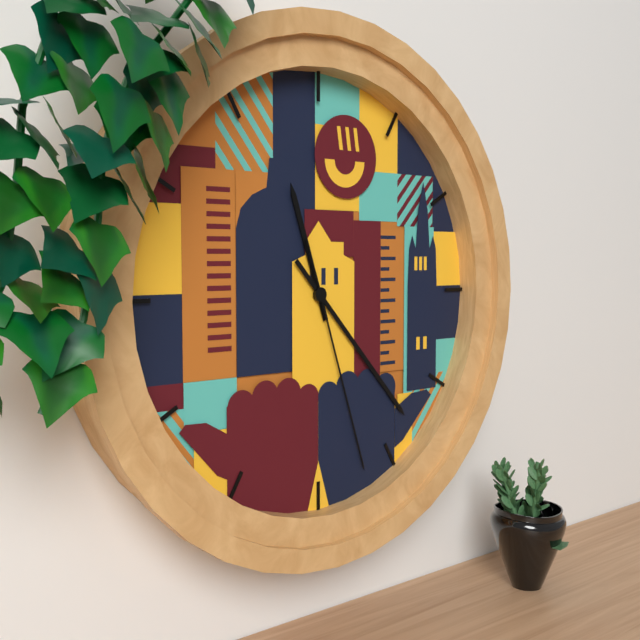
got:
11:23:27
